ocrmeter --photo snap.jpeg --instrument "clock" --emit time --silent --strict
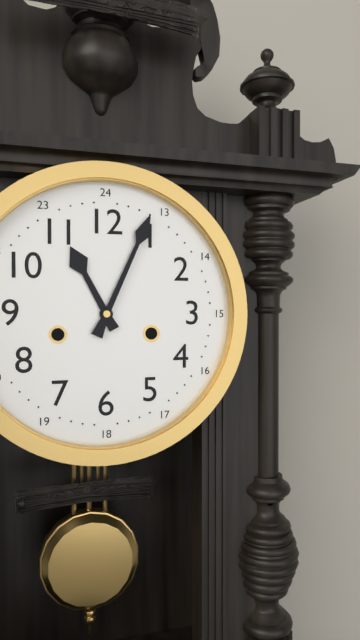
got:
11:04
